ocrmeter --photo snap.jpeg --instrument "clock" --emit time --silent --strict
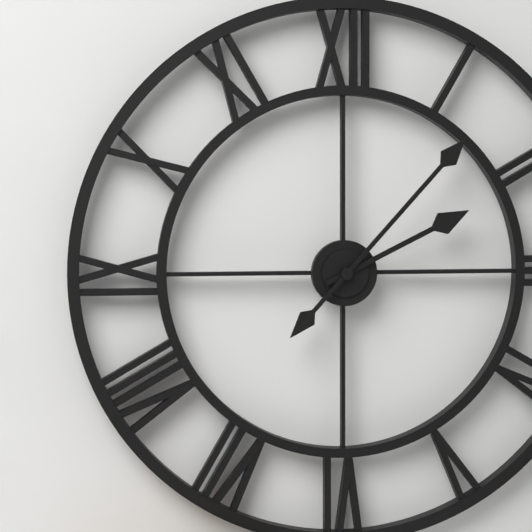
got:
2:07
